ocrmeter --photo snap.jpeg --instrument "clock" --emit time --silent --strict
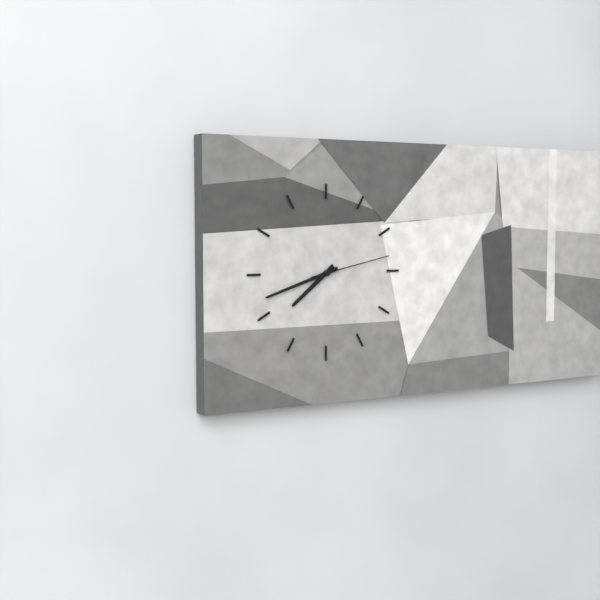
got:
7:42:13
